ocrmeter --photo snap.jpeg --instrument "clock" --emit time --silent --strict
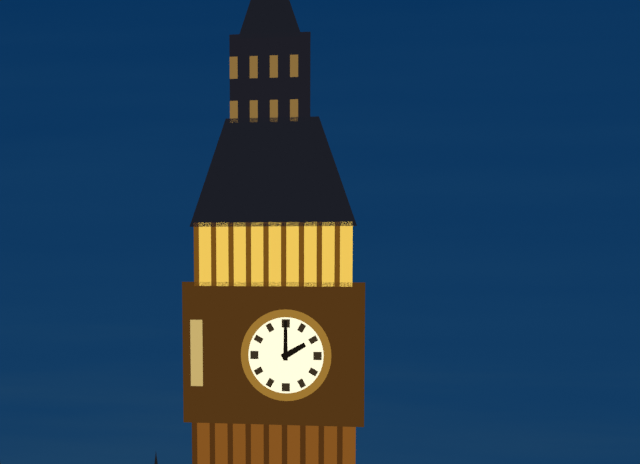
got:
2:00
